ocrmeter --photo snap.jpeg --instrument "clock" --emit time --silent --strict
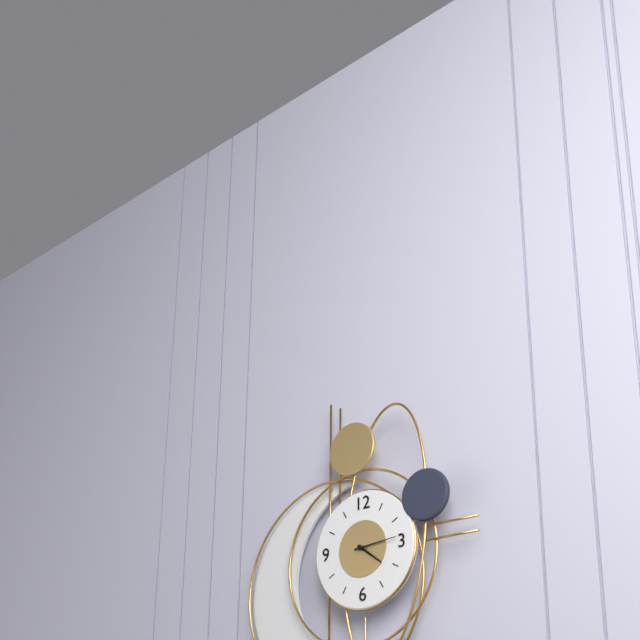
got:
4:14
